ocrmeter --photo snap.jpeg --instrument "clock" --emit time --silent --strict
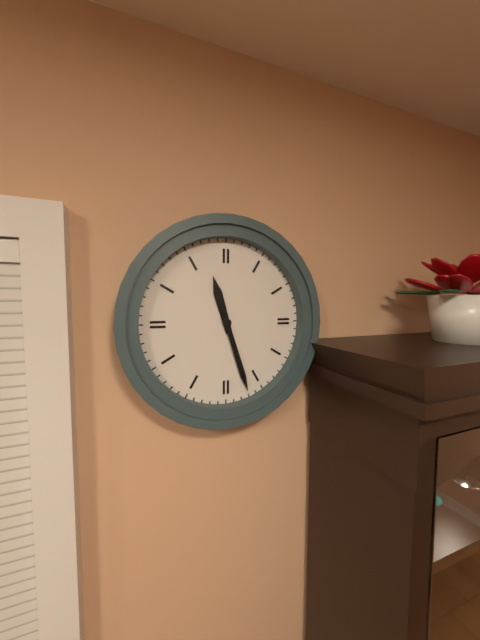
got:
11:27
